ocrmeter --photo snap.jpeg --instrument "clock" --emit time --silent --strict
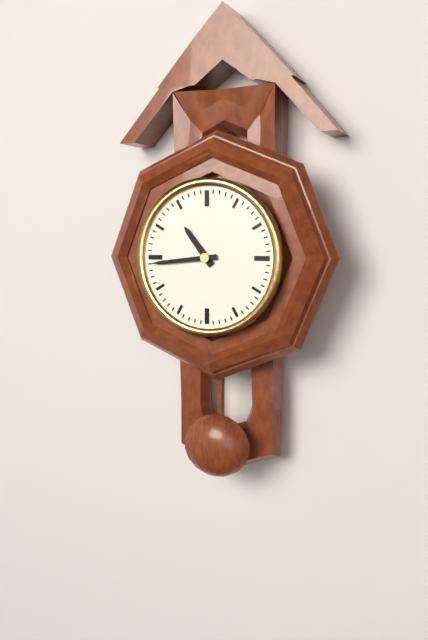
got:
10:44
